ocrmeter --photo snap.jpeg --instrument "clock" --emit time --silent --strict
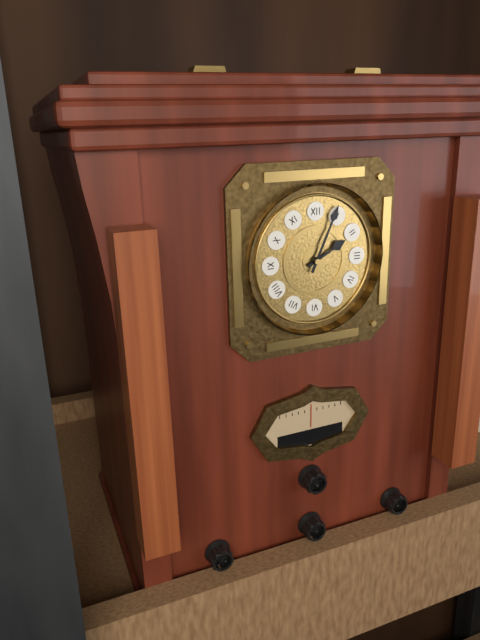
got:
2:04
